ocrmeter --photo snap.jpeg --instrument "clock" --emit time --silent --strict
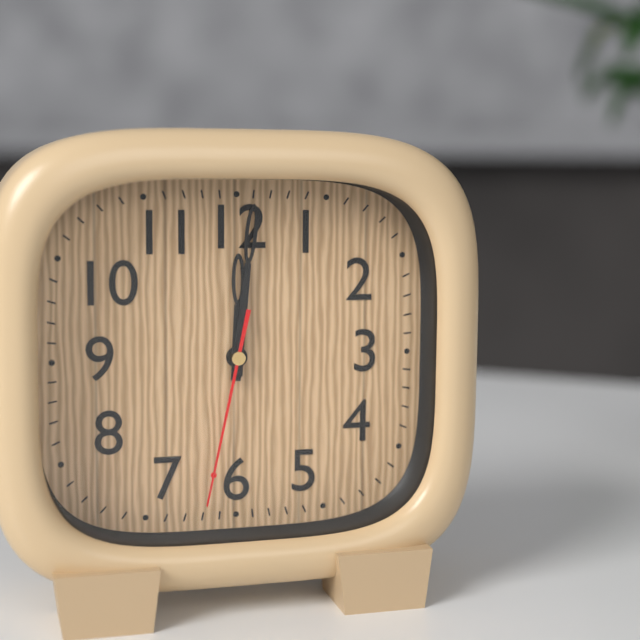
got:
12:01:32
